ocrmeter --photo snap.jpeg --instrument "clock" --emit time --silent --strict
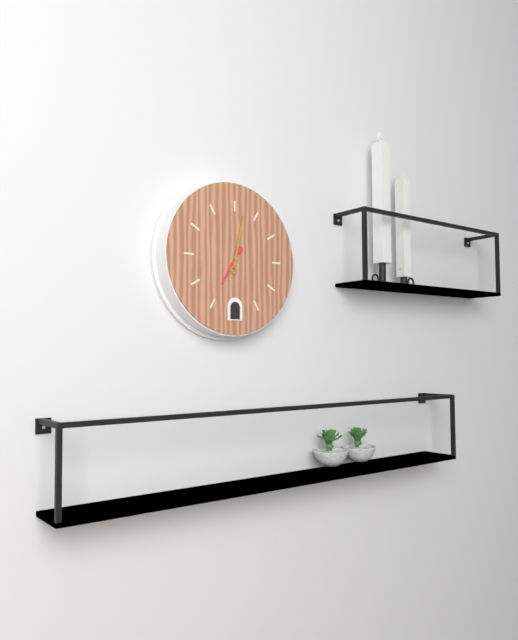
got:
7:02
